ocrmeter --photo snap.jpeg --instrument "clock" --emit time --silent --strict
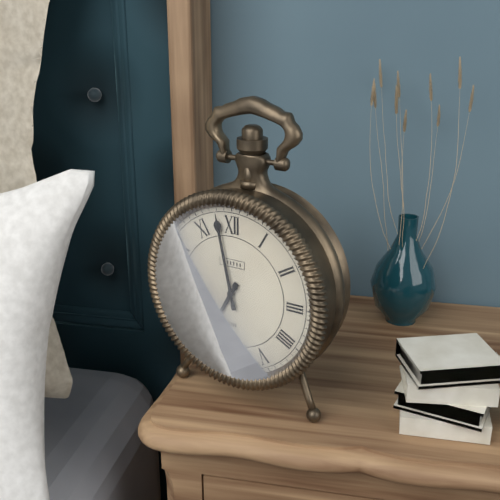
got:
6:58
